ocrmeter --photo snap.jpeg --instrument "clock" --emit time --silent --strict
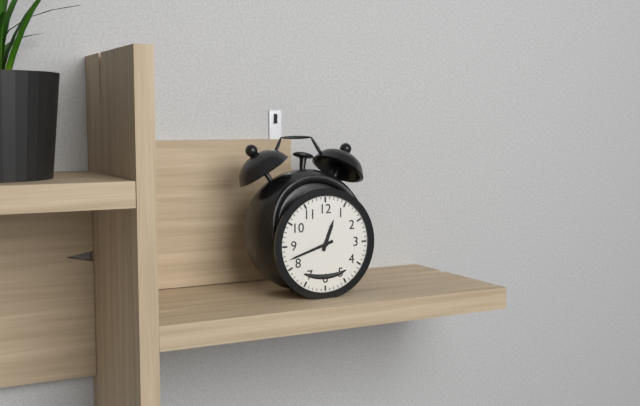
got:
12:42
